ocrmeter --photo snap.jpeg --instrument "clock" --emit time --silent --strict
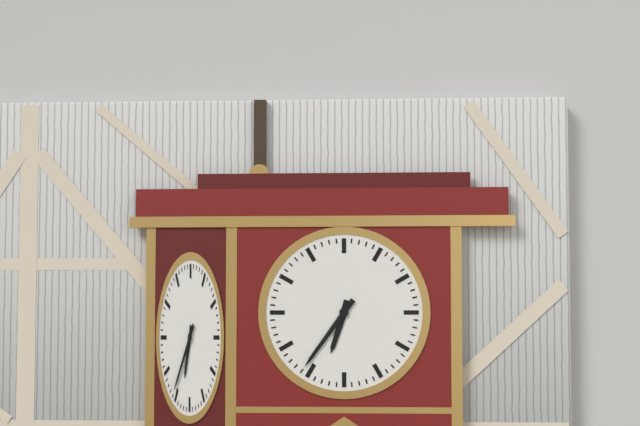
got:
6:36
